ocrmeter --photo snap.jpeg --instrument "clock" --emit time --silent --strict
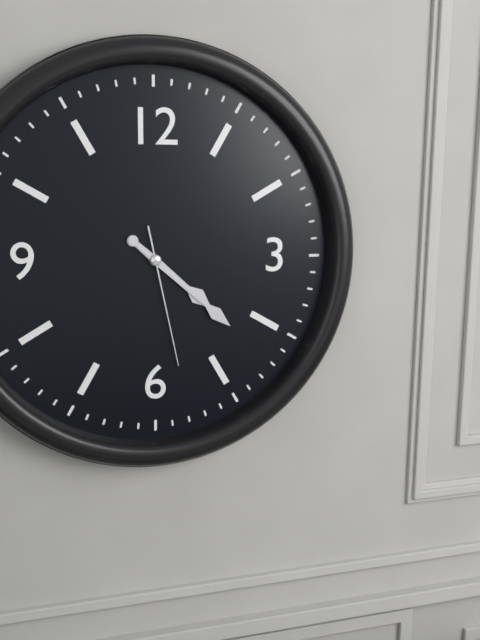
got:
4:22:28
